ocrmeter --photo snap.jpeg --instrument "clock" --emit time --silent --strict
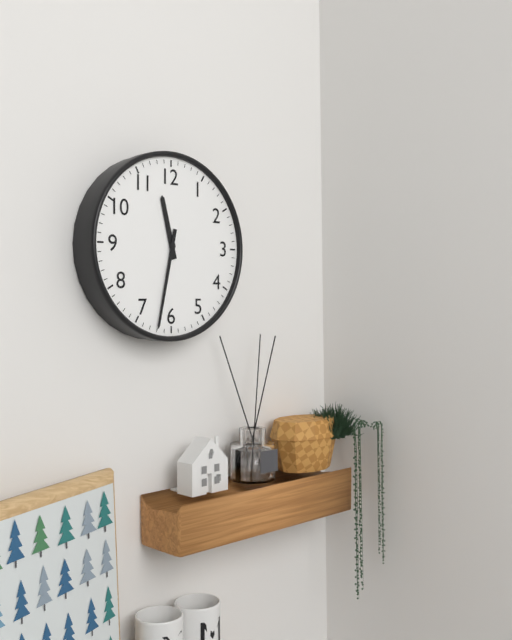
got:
11:32
